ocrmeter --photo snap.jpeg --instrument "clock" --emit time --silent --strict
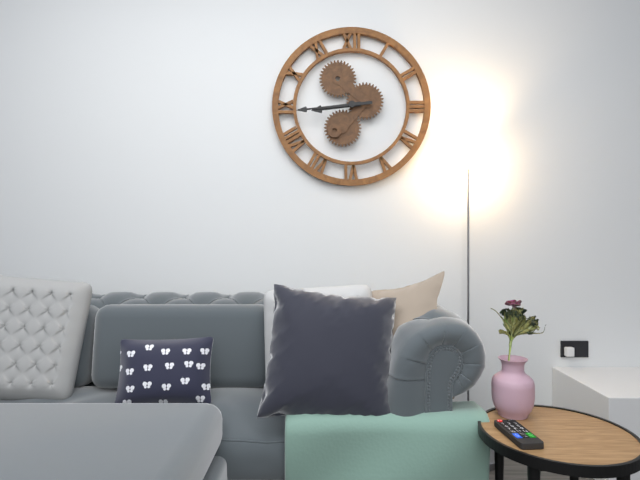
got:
8:44
